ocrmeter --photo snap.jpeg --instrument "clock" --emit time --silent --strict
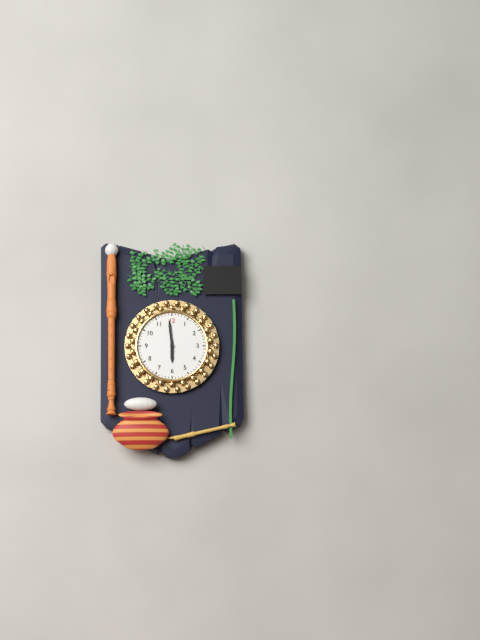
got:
5:59
